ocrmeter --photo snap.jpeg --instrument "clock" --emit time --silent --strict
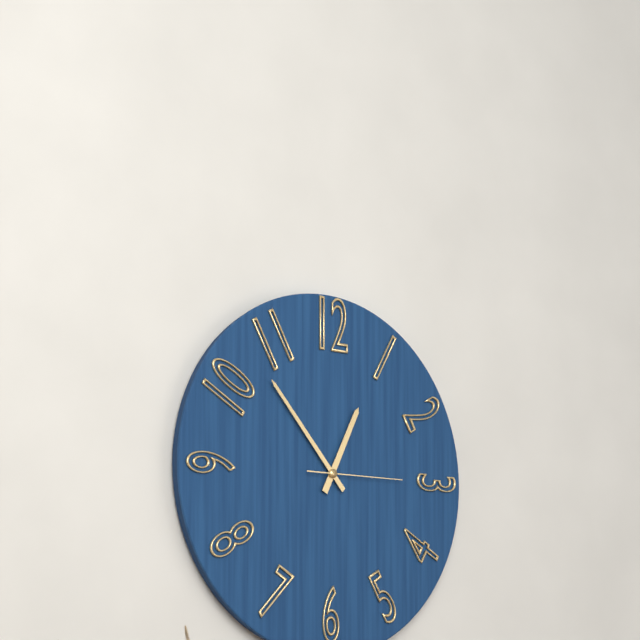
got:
12:53:15
